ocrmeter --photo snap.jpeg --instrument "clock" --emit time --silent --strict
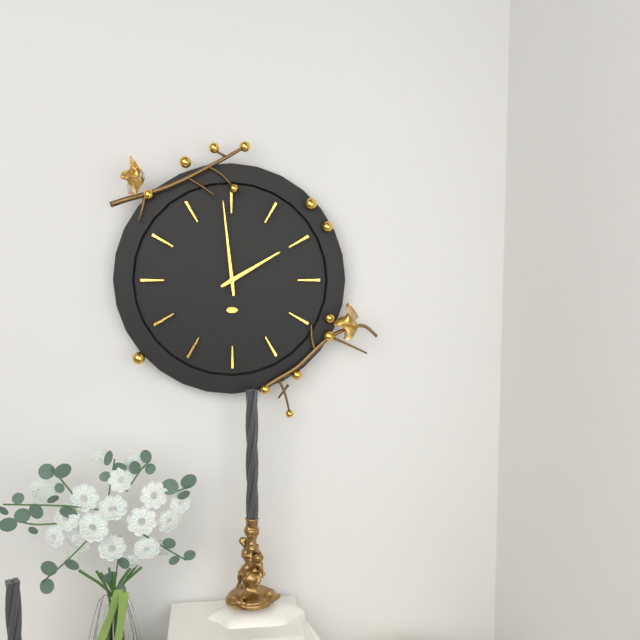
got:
1:59
